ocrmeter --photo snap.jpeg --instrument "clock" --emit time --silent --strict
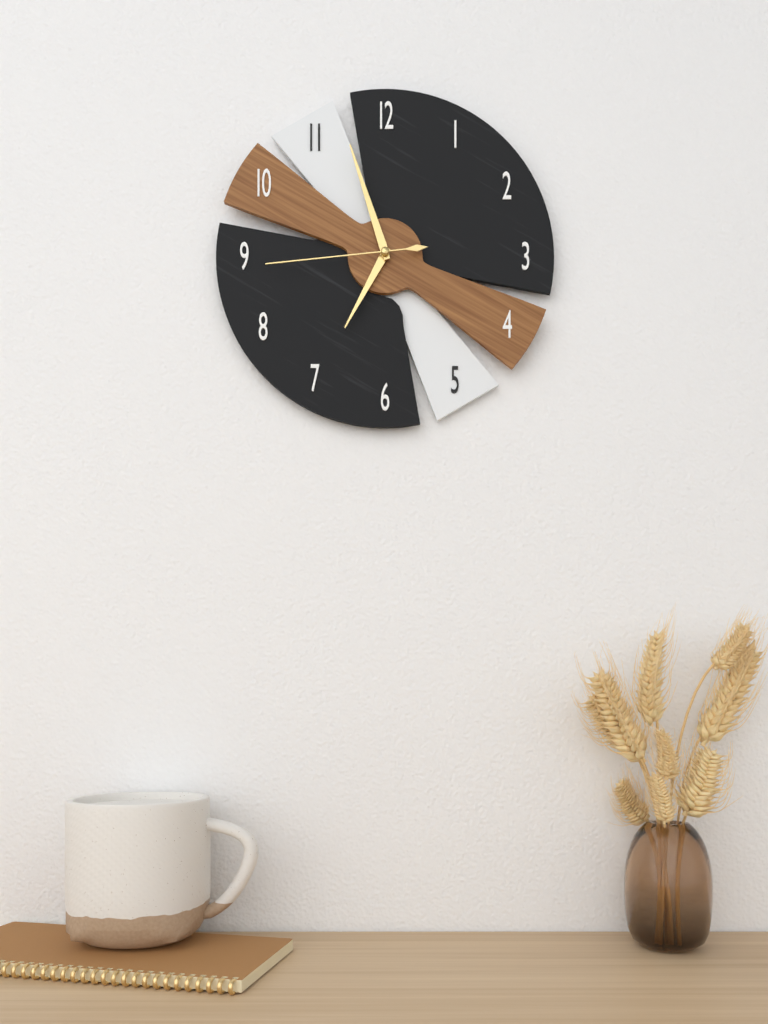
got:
6:57:44
